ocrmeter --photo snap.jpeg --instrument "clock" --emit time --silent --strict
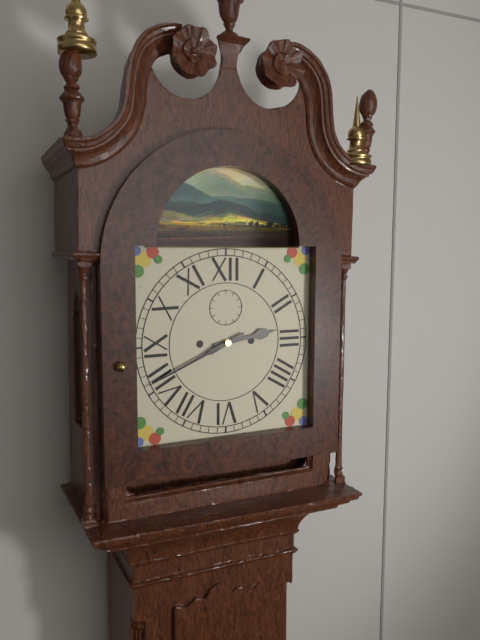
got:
2:41
